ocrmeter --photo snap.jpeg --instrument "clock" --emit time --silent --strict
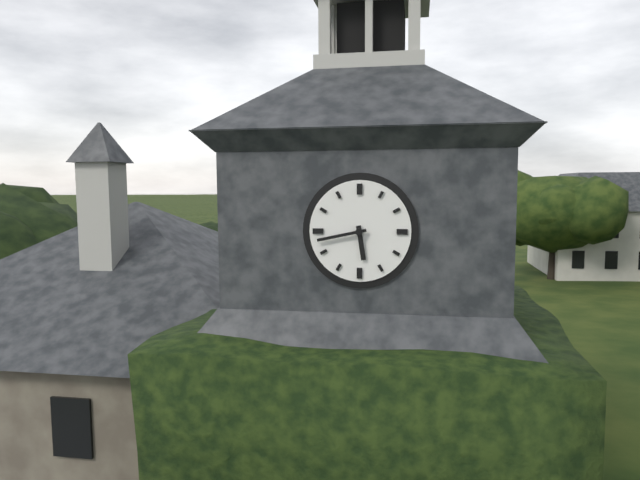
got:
5:43
